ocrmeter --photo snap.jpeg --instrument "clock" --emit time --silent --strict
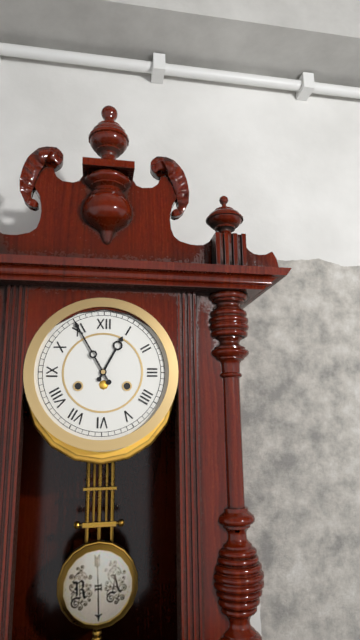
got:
12:55
